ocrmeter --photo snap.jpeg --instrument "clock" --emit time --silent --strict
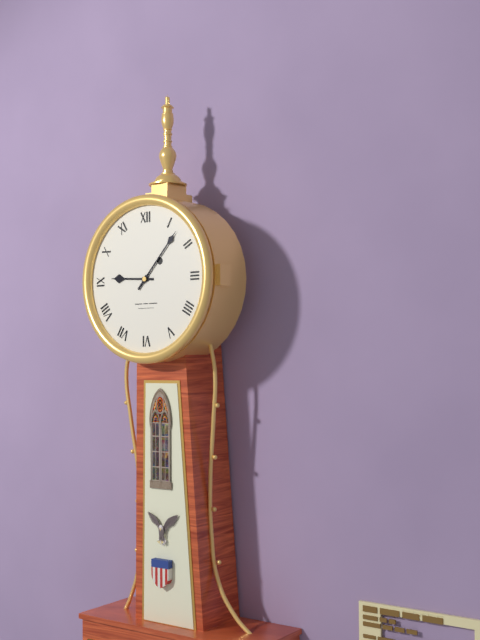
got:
9:07
